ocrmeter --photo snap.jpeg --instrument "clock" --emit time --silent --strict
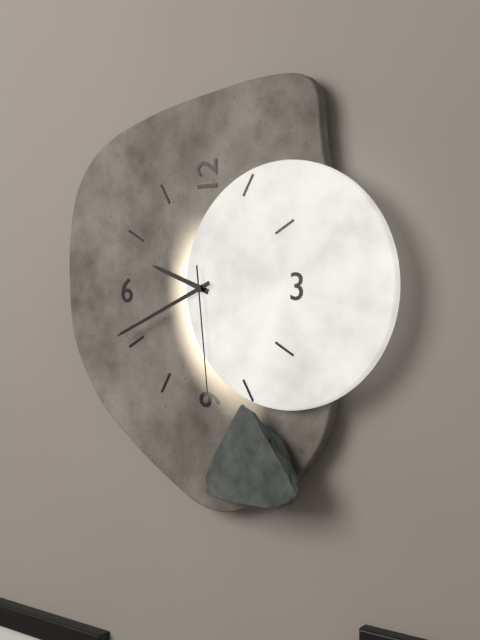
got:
9:41:29
